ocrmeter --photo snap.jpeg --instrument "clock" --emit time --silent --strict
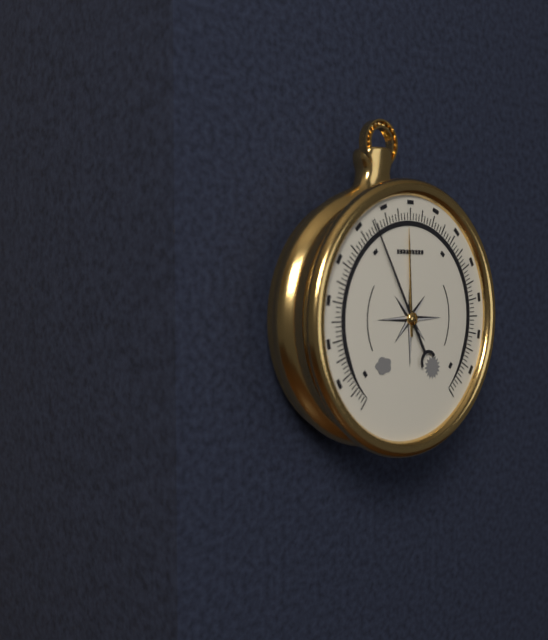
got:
11:55
